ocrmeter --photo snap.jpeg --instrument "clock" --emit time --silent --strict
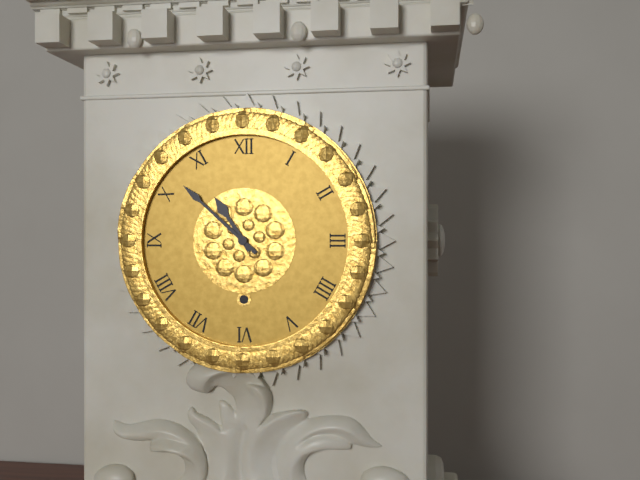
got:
10:52
